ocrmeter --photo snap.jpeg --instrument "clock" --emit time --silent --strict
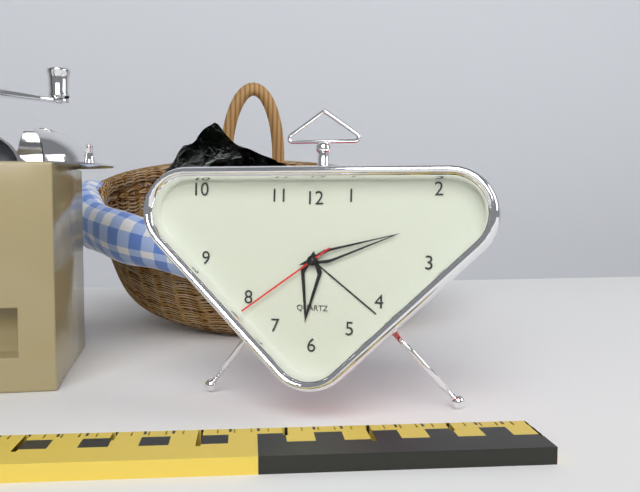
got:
6:12:39
